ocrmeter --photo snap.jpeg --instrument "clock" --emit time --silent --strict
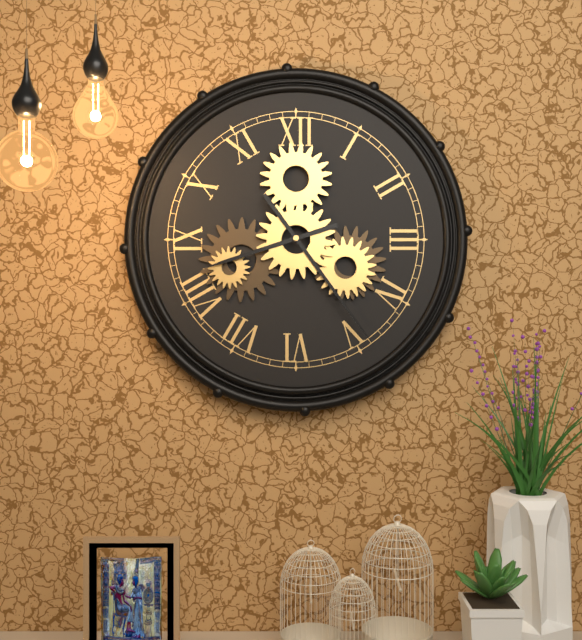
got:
8:24
